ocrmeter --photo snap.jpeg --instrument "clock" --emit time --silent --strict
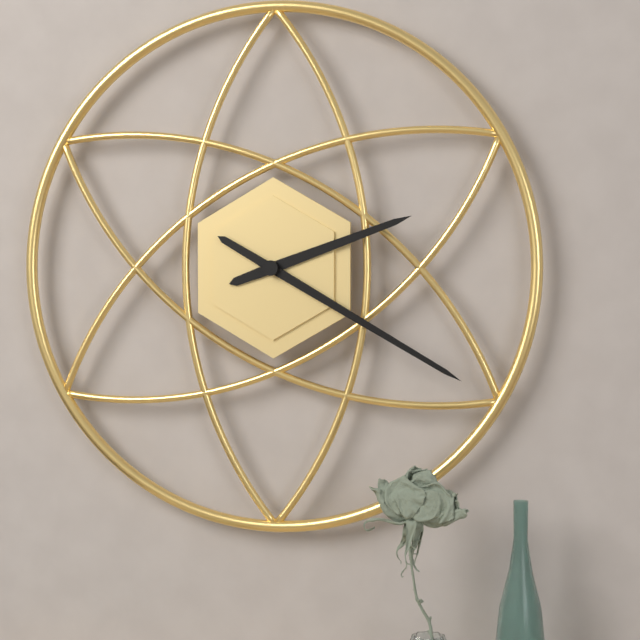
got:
2:20
